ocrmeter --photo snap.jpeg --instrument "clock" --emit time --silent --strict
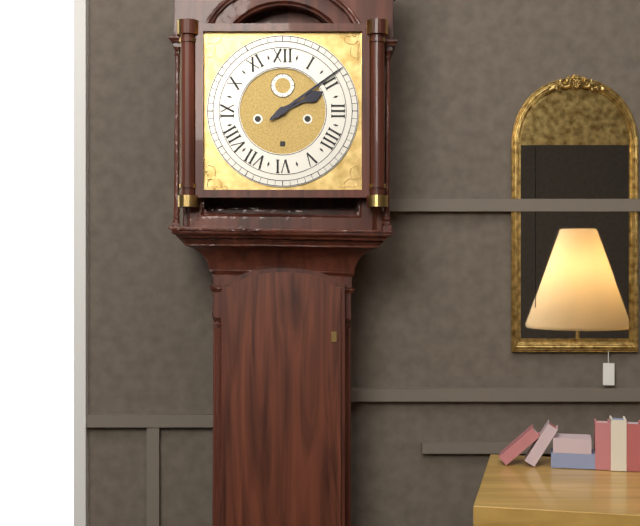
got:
2:09
